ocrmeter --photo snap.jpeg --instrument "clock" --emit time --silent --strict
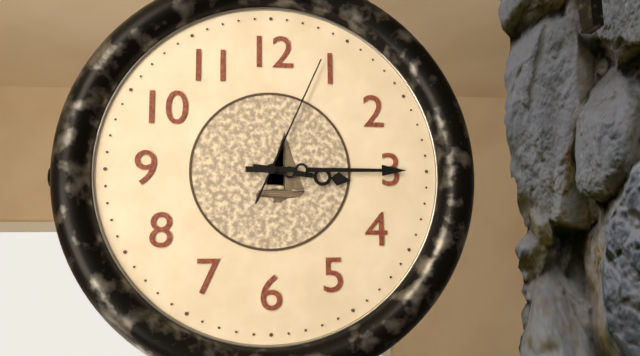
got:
3:15:04
